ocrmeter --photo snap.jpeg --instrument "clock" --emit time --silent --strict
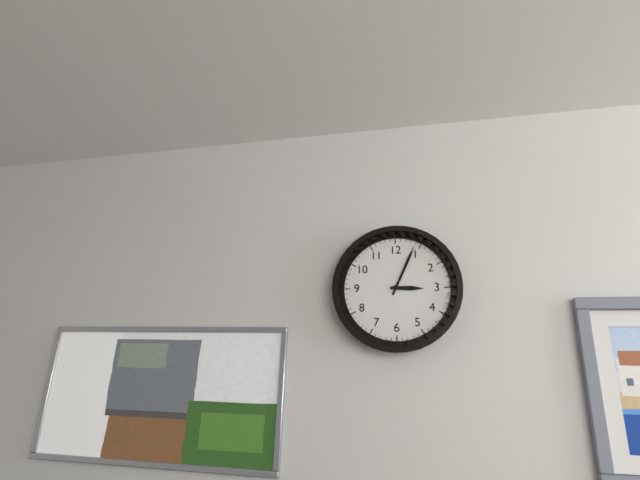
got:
3:04
